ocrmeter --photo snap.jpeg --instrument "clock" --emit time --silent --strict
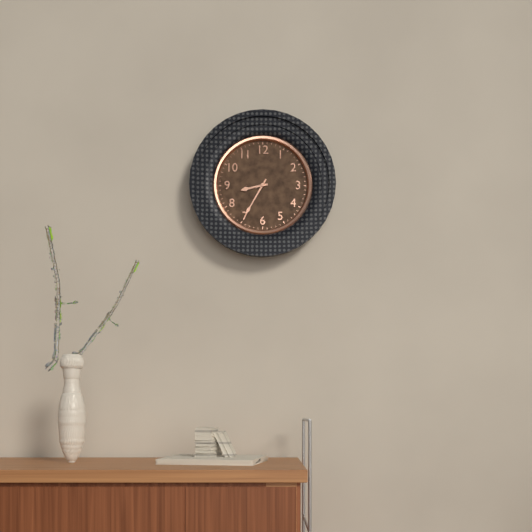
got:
8:35
